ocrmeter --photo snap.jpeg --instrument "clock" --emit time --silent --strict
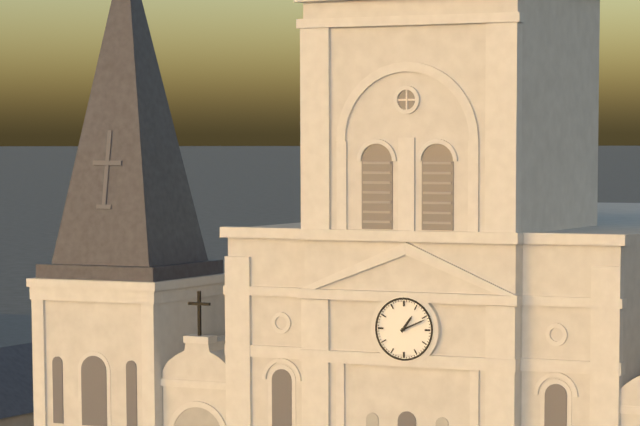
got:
1:11
